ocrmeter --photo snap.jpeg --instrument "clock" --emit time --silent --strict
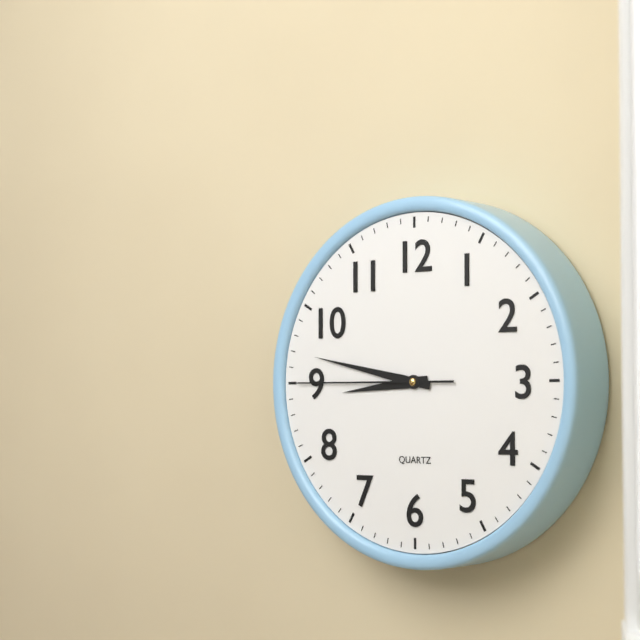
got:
8:47:45
